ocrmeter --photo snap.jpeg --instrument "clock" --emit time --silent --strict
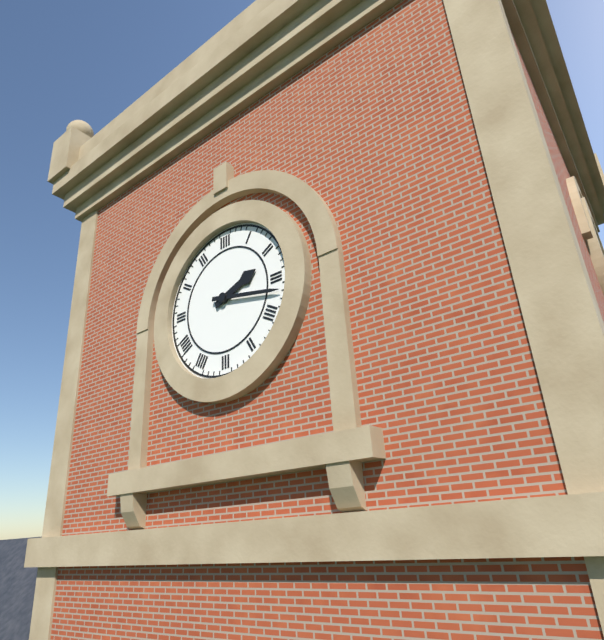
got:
2:17
